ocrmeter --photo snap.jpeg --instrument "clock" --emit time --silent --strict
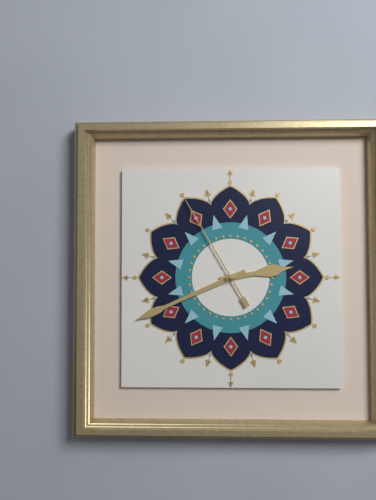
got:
2:41:55
